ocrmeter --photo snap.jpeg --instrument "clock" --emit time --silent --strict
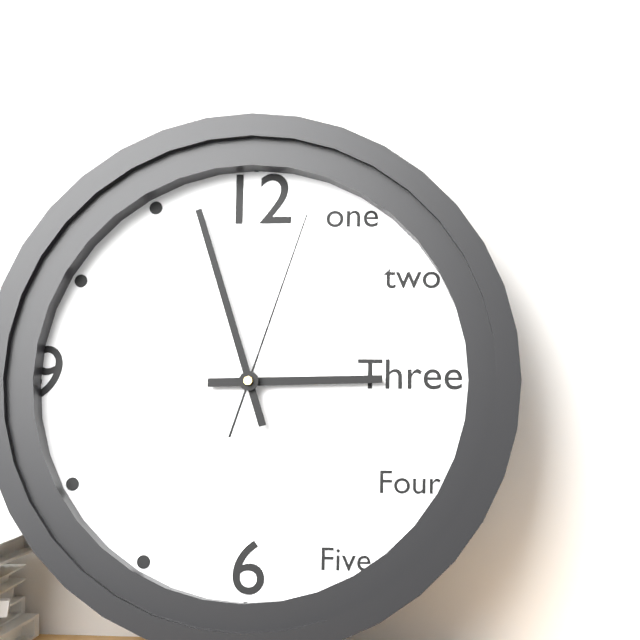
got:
2:57:03
